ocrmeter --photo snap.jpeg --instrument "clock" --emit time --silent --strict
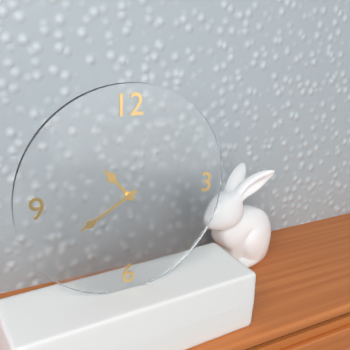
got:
10:40
